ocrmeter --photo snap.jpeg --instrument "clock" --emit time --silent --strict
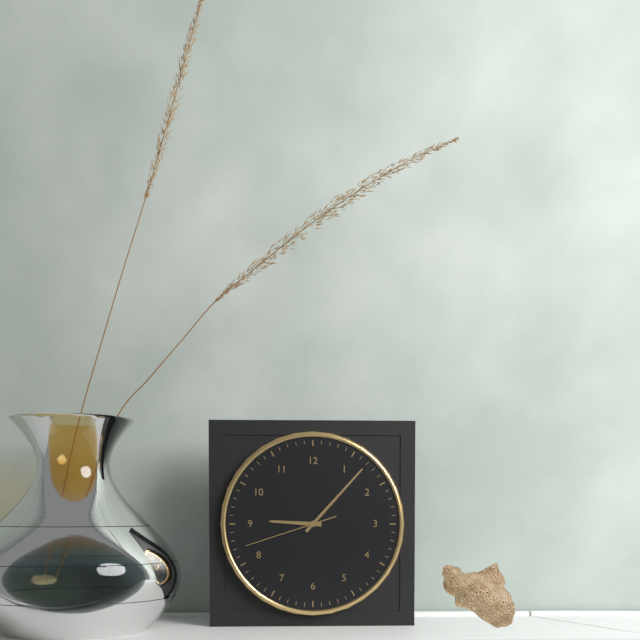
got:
9:07:42
